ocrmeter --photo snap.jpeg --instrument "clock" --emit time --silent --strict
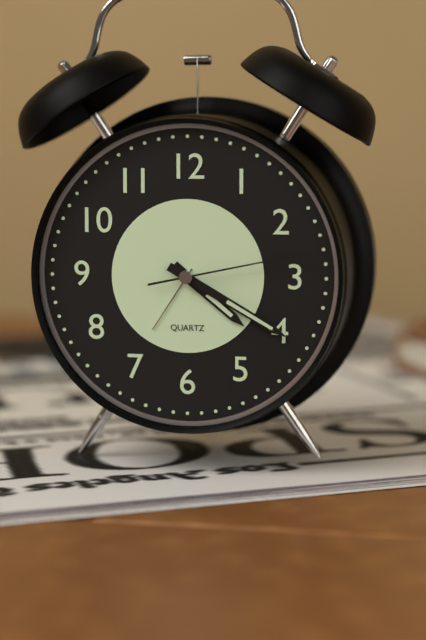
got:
4:20:13
